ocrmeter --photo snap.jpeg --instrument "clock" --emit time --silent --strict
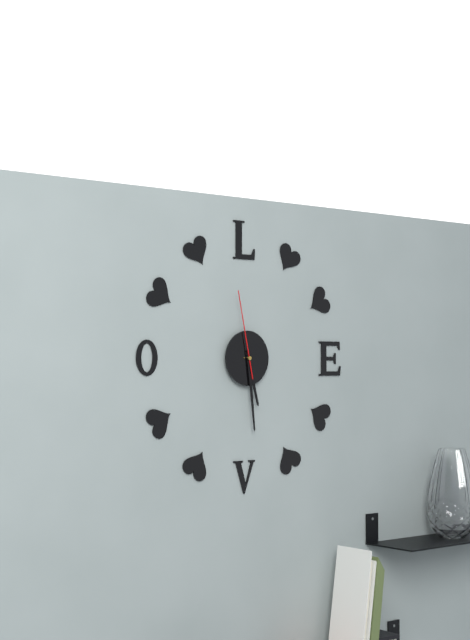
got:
5:29:58
